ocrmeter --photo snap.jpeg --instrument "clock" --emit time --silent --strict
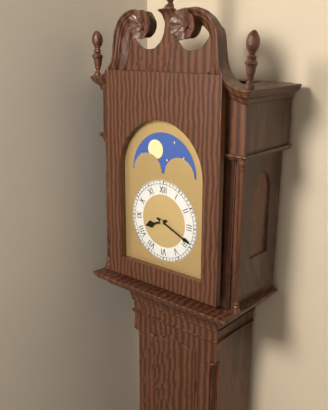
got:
8:19
